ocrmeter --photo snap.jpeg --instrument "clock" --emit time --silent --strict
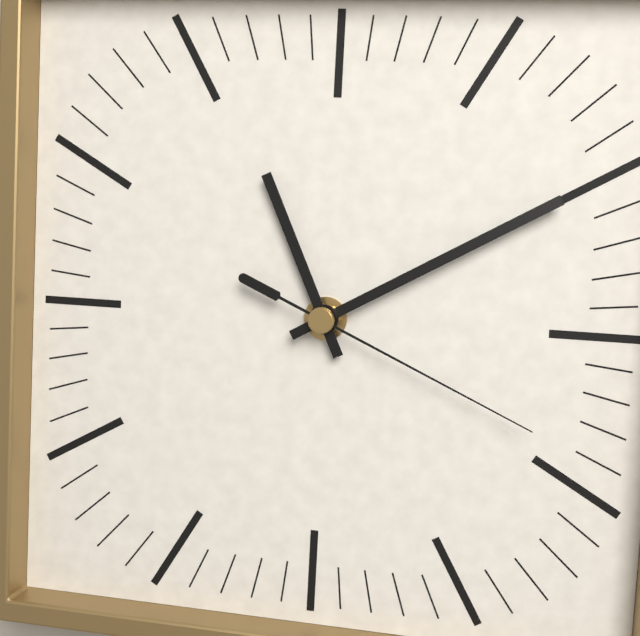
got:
11:10:19
